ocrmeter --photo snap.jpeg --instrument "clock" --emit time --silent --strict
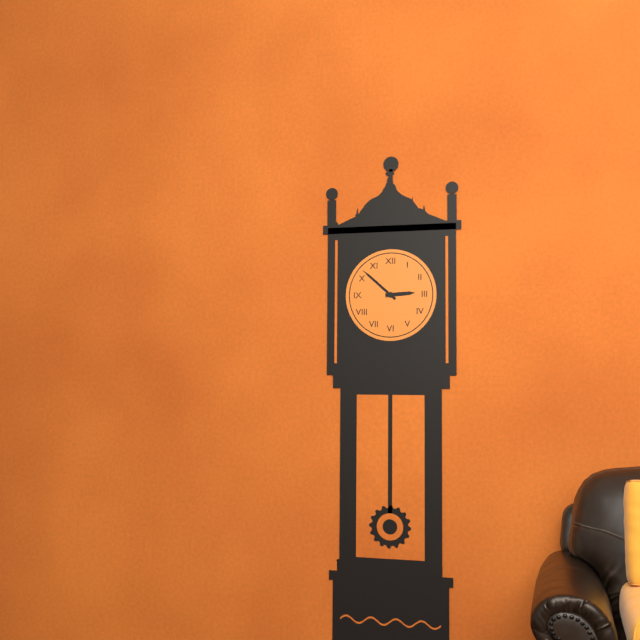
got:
2:52
